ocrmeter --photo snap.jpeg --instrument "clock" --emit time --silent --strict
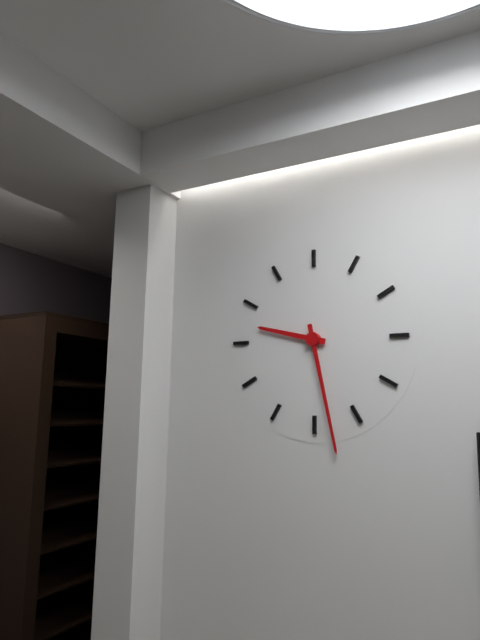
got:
9:28
